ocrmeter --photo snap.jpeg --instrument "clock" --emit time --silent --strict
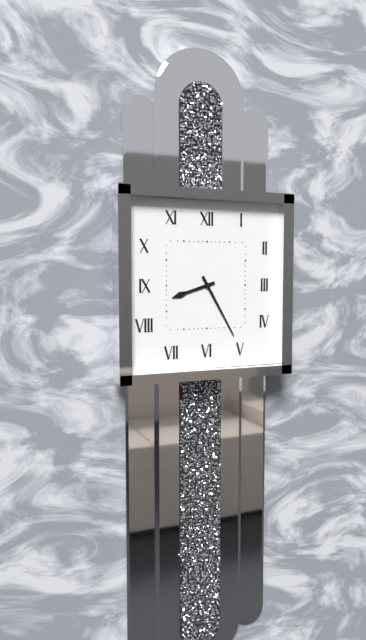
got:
8:25
